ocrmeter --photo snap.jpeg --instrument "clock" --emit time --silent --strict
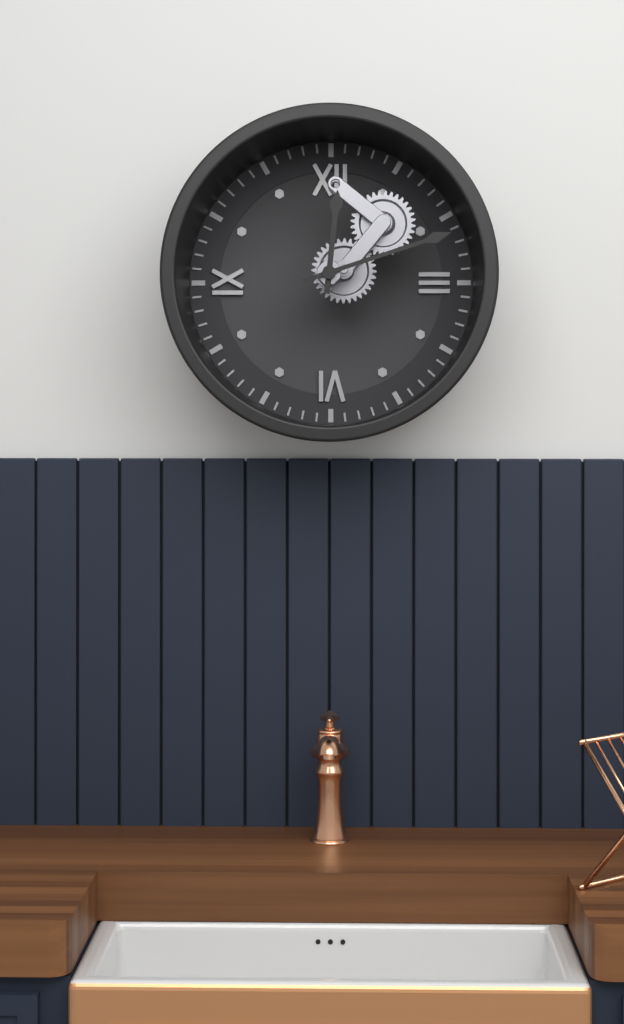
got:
12:12
